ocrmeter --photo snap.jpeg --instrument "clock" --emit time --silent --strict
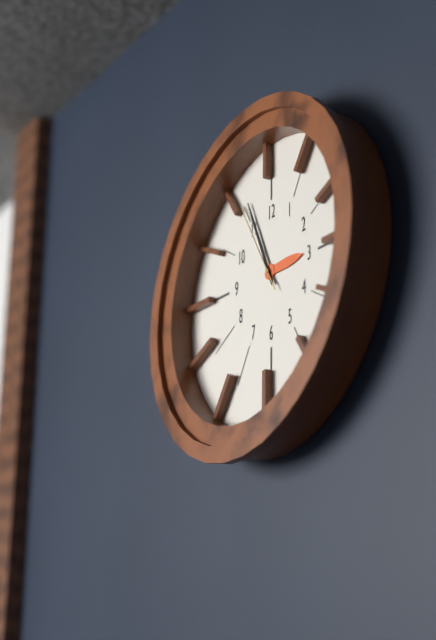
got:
2:56:55
